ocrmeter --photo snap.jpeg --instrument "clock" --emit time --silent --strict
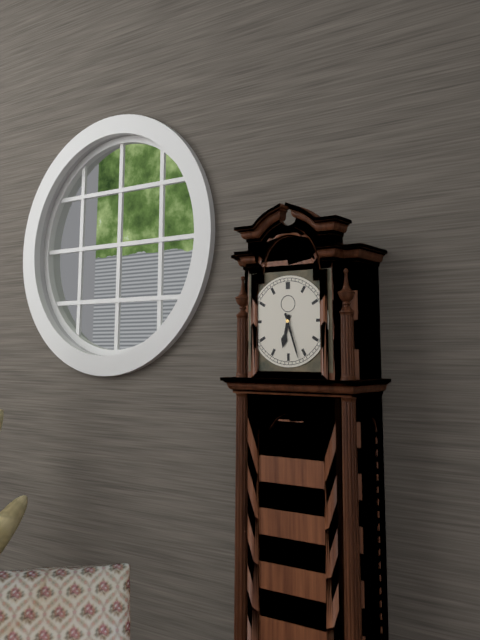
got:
6:27
